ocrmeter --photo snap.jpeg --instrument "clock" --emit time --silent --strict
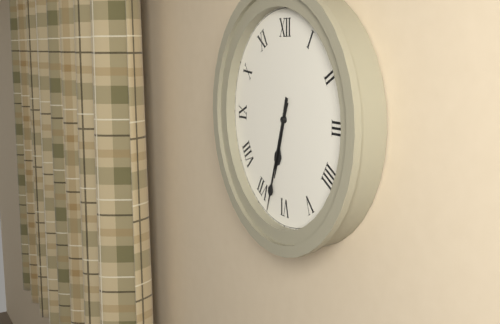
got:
6:33
